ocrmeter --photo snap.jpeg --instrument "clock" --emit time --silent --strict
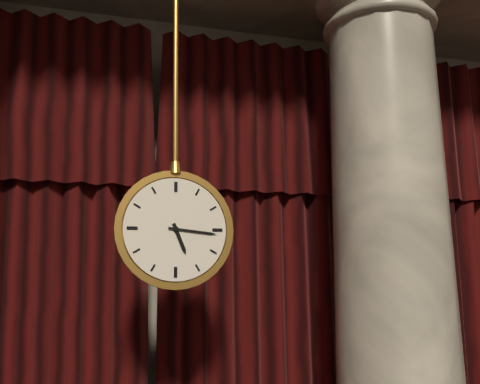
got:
5:16
